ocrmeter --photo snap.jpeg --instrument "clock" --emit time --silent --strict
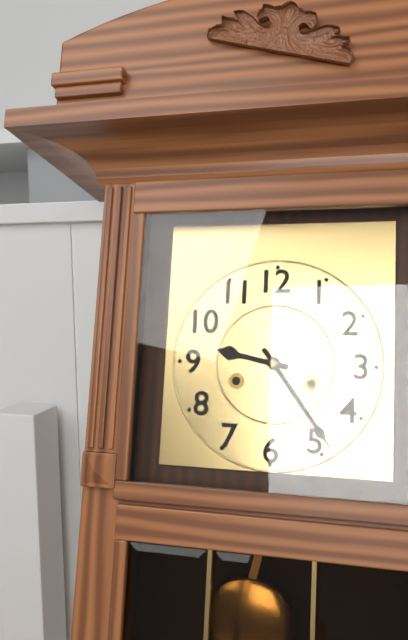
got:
9:24
